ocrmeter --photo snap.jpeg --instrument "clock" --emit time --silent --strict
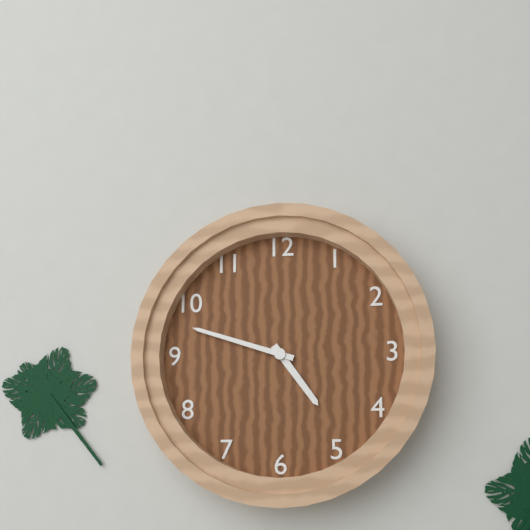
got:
4:48
